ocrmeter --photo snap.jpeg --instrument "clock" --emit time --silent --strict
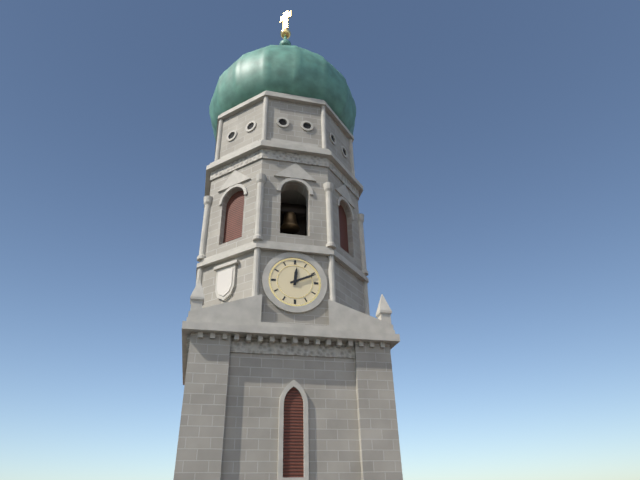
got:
12:11
